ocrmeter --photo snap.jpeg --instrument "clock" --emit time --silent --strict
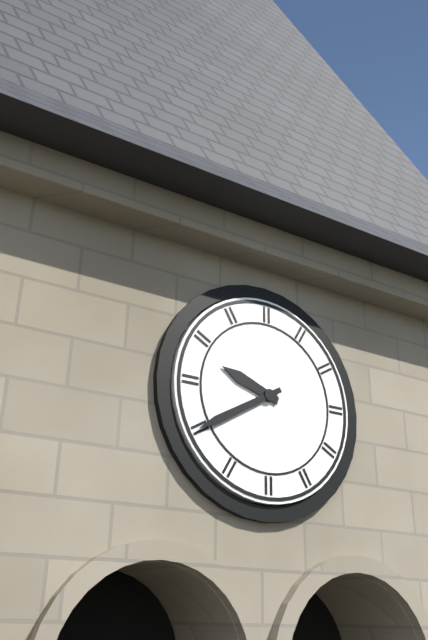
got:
9:40
